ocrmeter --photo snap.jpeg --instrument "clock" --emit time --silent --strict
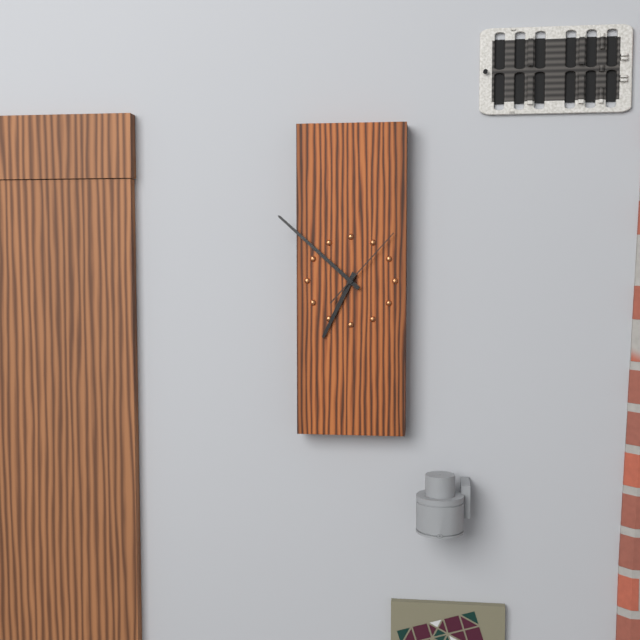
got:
6:52:07
